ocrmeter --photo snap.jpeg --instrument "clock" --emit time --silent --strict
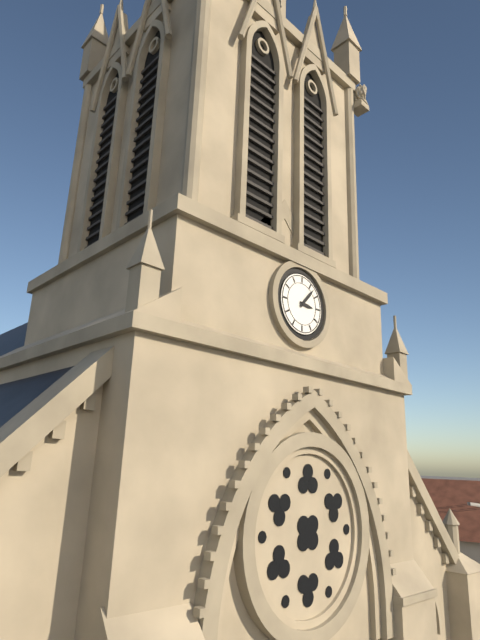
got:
3:07
